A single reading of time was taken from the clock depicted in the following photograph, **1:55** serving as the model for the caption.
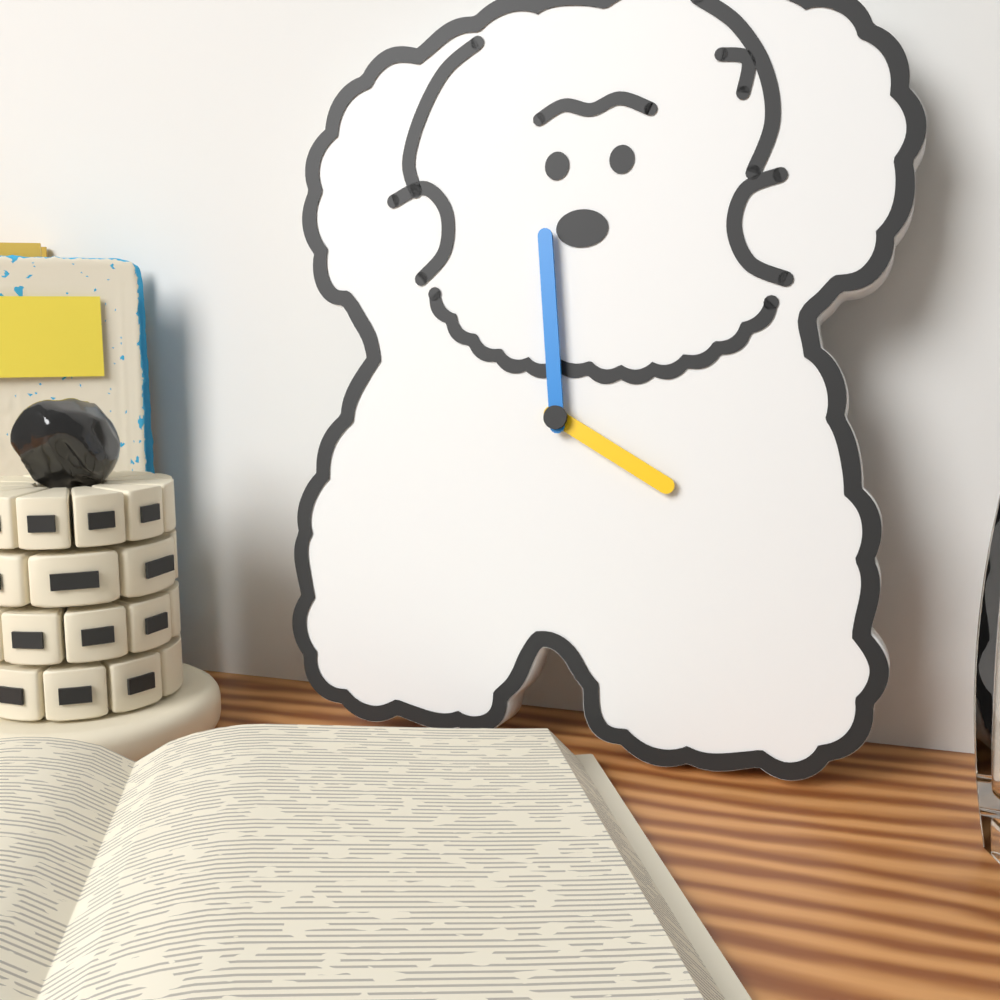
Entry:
**3:59**
